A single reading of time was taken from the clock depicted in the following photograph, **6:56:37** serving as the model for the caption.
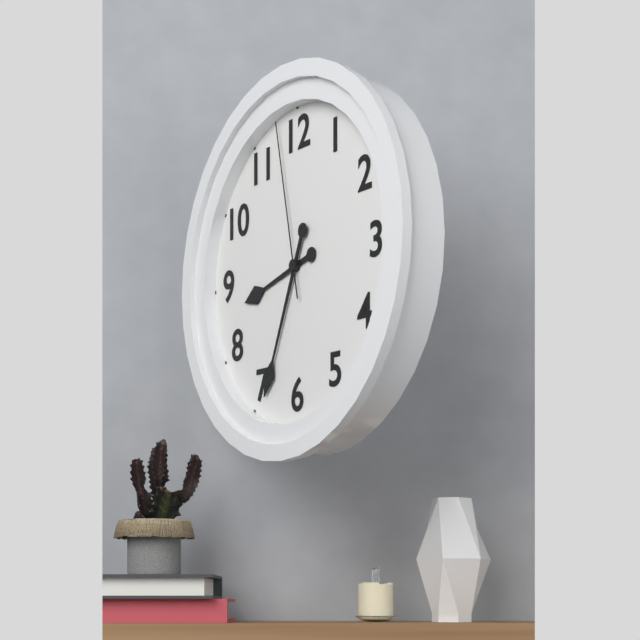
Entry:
**8:34:58**
